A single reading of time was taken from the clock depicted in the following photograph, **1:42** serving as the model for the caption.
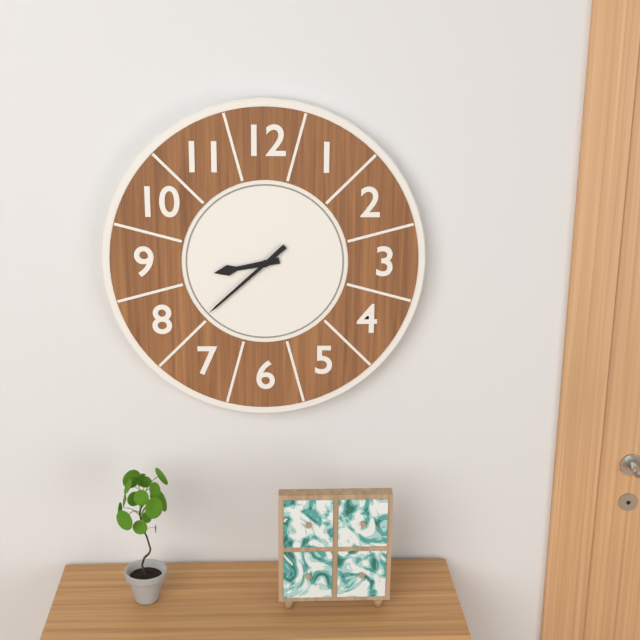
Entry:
**8:38**
